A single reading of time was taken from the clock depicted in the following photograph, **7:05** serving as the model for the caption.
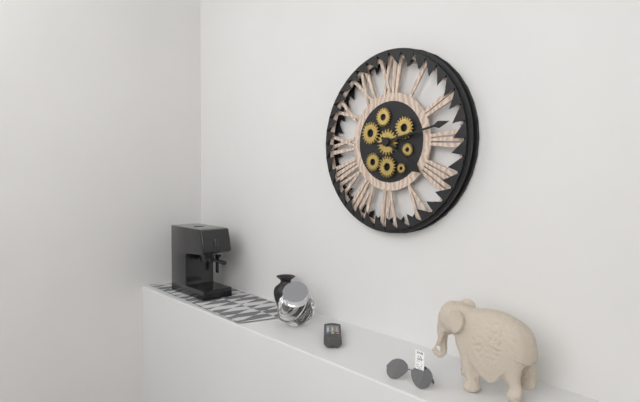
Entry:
**4:13**
